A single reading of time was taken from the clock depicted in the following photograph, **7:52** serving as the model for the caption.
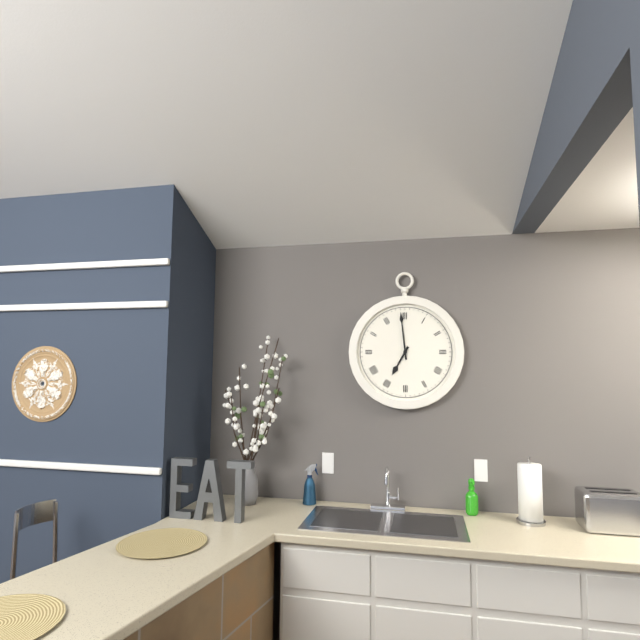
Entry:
**6:59**
